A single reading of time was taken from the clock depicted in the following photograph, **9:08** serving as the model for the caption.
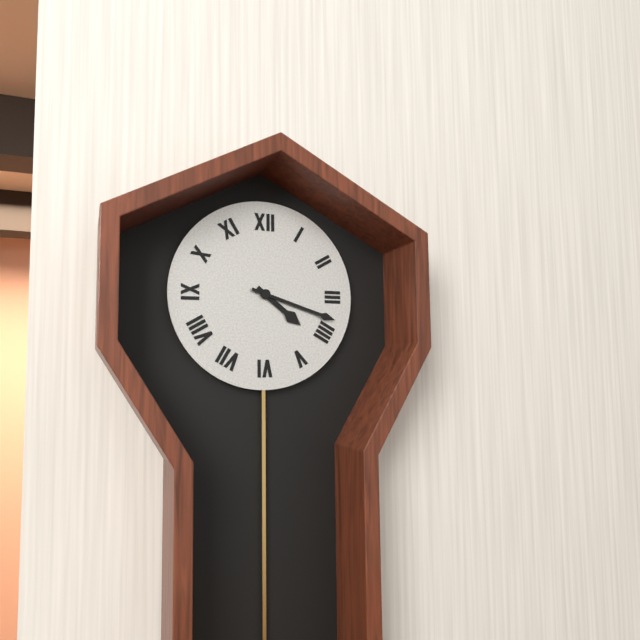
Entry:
**4:18**
